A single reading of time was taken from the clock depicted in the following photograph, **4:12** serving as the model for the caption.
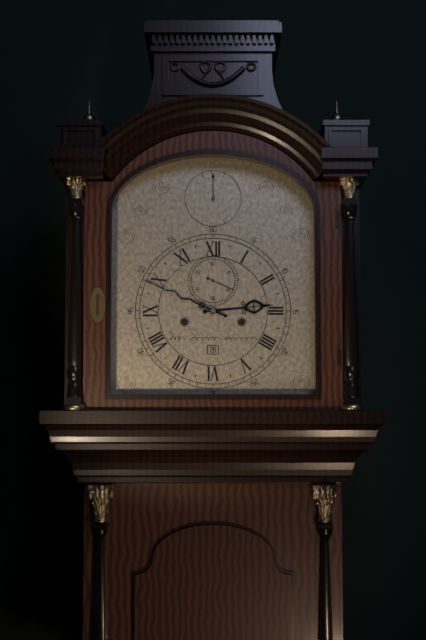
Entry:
**2:49**
